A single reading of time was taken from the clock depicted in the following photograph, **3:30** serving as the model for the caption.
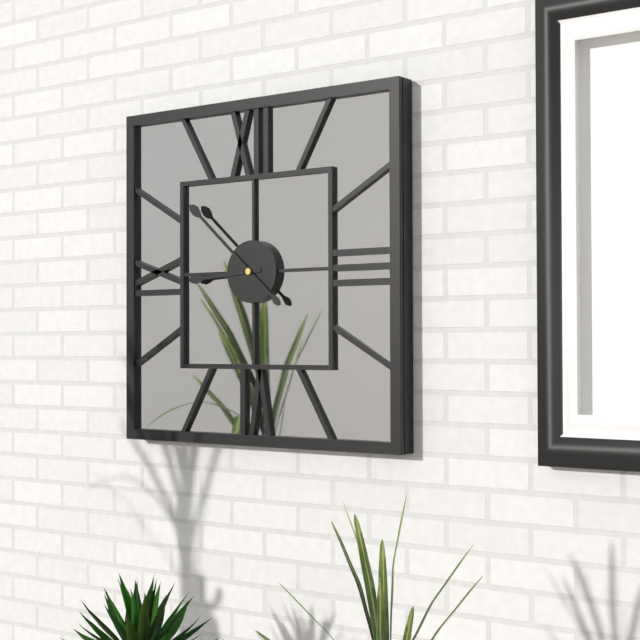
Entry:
**8:52**
